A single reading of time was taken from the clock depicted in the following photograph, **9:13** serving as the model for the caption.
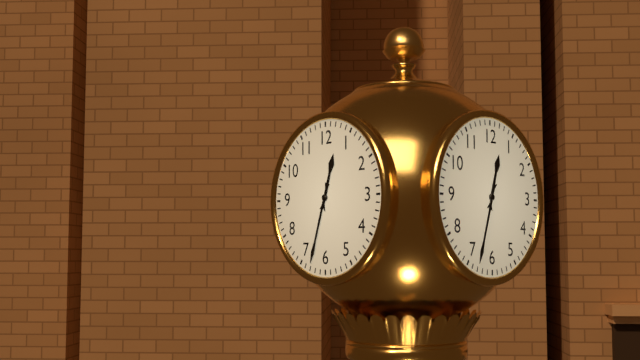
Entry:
**12:33**
